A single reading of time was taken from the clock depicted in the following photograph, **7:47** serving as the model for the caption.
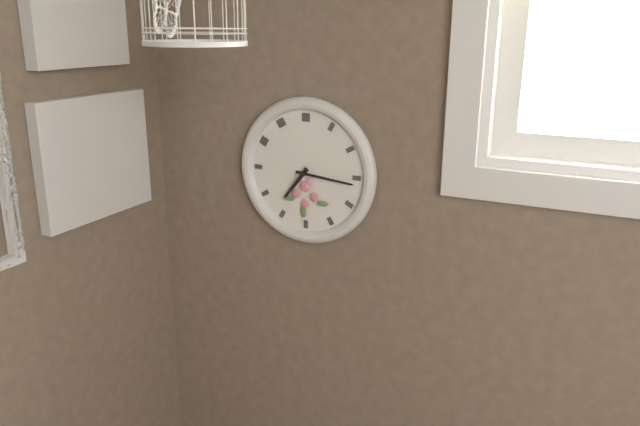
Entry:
**7:16**
